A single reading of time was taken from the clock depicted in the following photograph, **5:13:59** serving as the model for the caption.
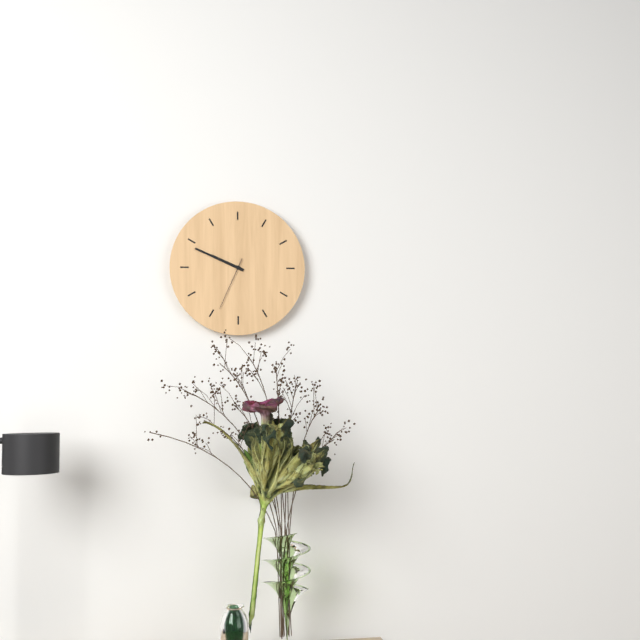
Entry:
**9:49:34**
